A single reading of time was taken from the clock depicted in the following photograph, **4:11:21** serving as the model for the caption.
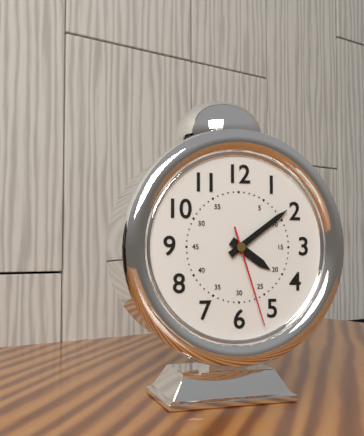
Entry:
**4:09:27**
